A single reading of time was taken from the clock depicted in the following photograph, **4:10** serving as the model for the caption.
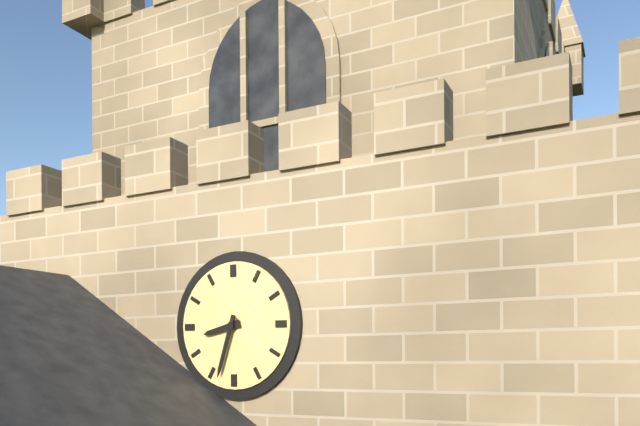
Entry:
**8:33**
